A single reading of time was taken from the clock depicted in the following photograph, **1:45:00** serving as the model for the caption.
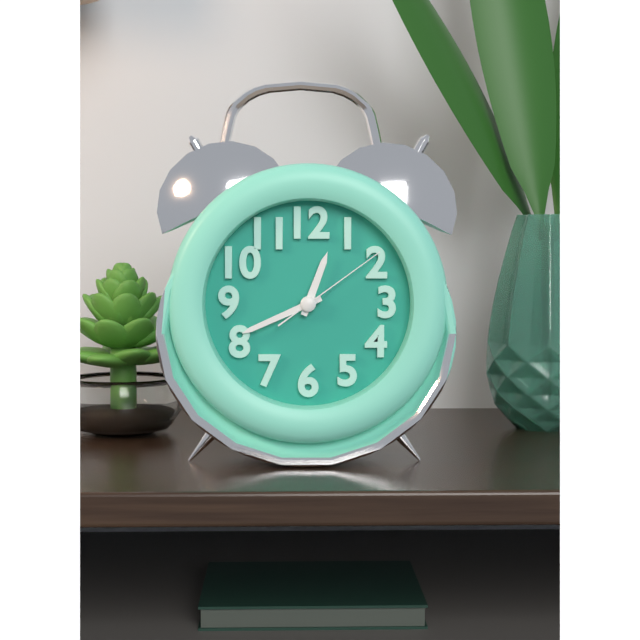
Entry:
**12:41:09**
